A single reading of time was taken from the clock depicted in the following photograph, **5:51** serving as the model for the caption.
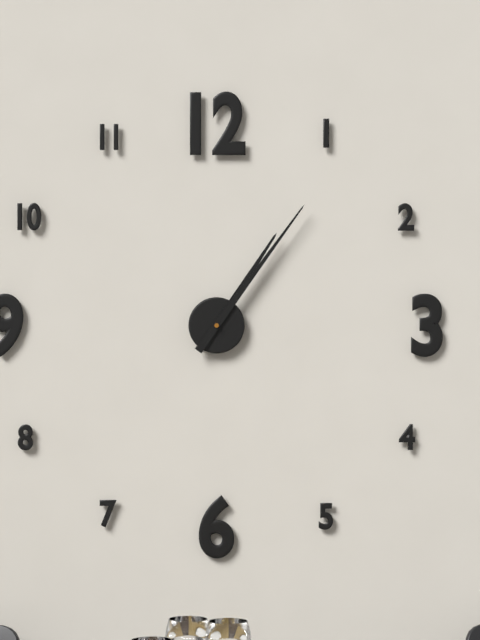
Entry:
**1:06**
